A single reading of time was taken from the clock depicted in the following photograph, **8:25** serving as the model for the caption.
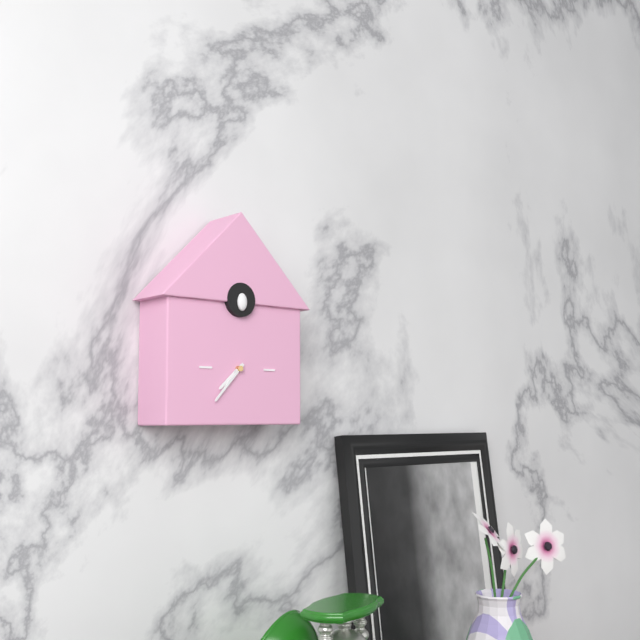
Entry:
**7:37**
